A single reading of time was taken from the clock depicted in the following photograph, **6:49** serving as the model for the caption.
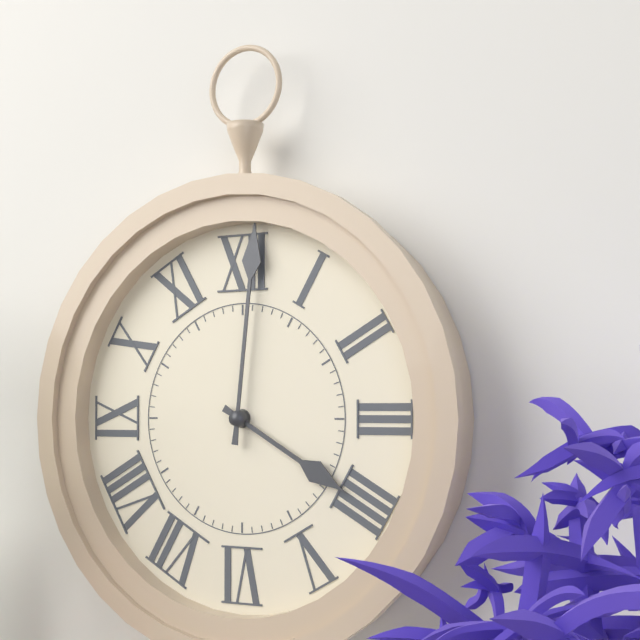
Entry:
**4:01**
